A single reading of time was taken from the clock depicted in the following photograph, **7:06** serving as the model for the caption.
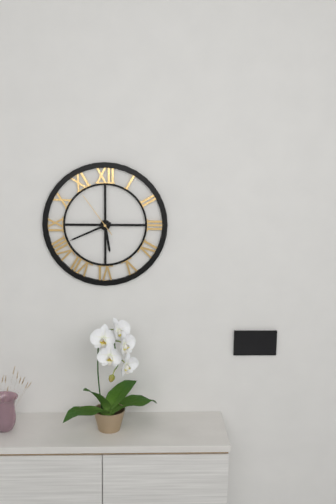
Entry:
**5:41**
